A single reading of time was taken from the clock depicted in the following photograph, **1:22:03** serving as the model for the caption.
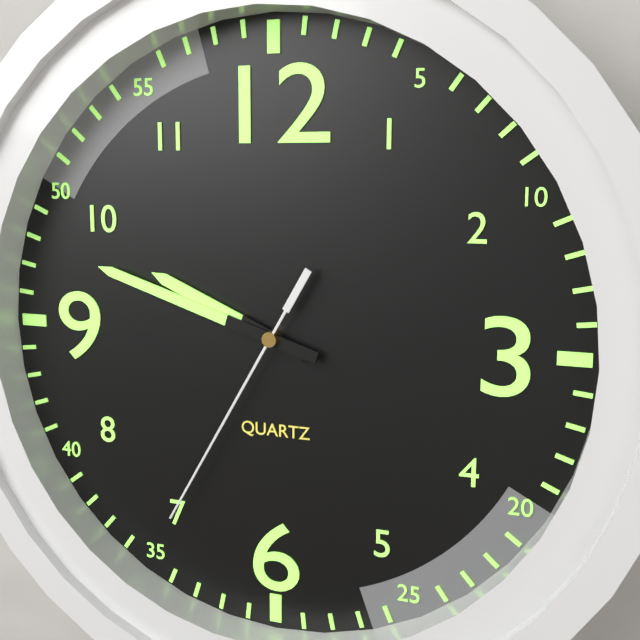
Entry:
**9:48:35**
